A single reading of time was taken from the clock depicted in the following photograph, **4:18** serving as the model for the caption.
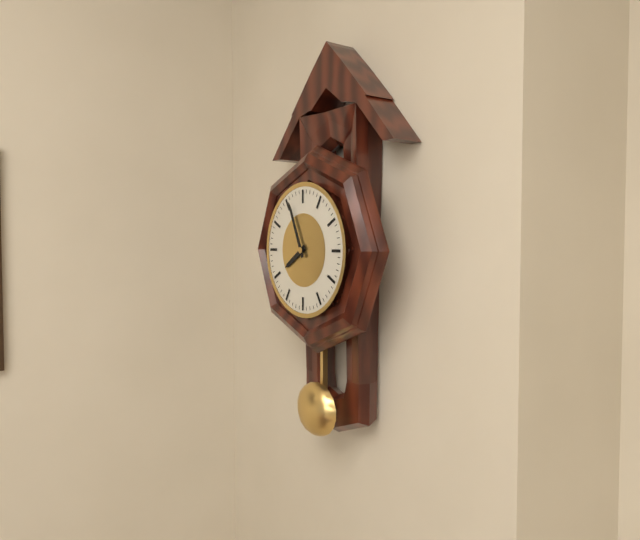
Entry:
**7:56**
